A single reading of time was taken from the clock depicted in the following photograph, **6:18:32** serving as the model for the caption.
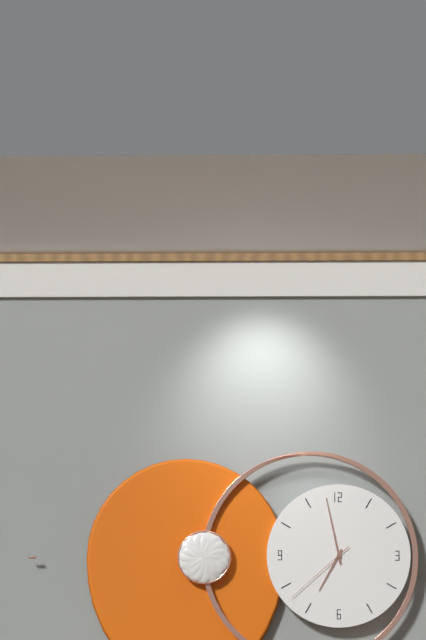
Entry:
**6:58:38**
